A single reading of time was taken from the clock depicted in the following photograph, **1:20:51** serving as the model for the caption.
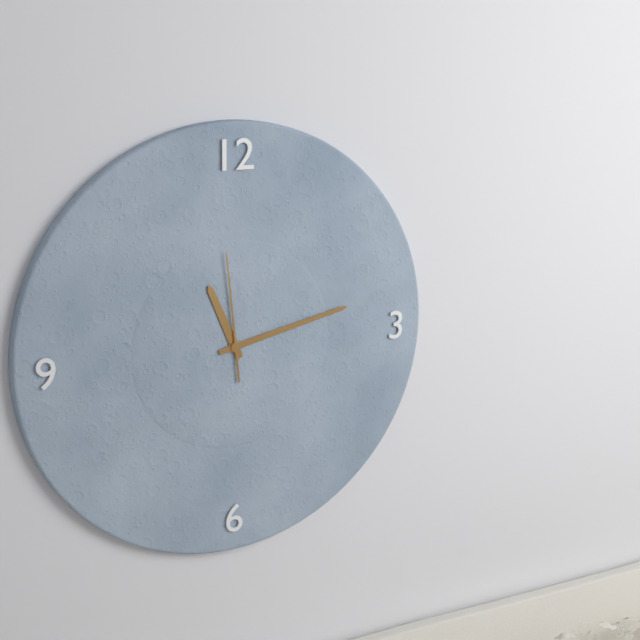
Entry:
**11:13:59**
